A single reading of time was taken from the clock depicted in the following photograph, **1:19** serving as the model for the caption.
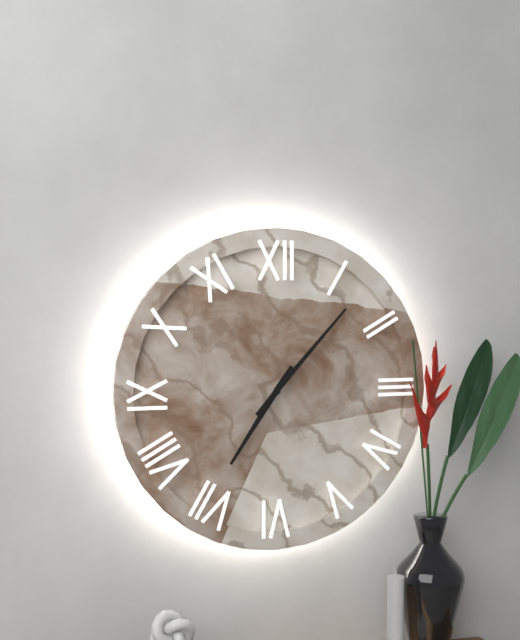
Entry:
**7:07**
